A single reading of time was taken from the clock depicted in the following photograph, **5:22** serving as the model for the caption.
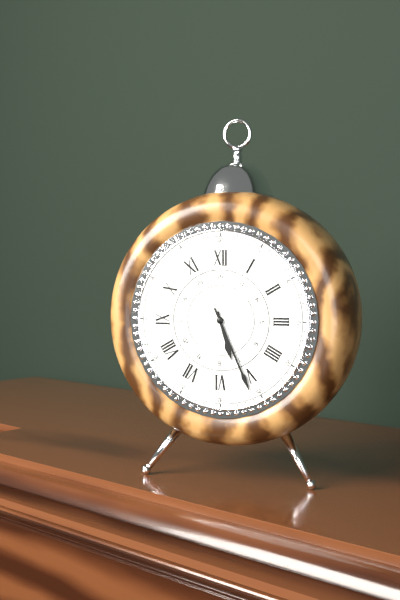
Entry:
**5:26**
